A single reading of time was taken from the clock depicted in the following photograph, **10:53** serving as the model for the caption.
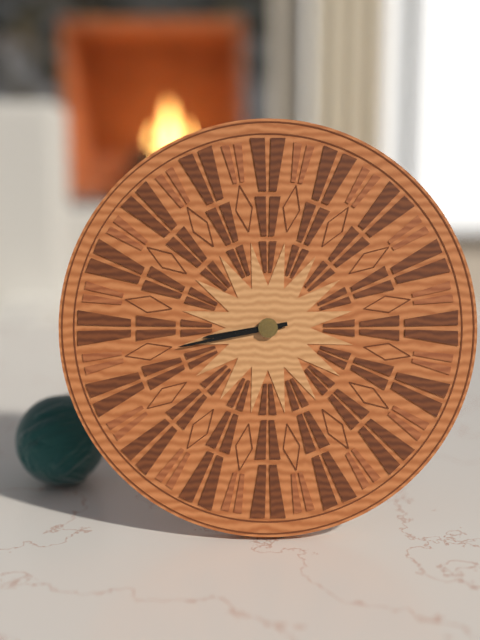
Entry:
**8:43**
